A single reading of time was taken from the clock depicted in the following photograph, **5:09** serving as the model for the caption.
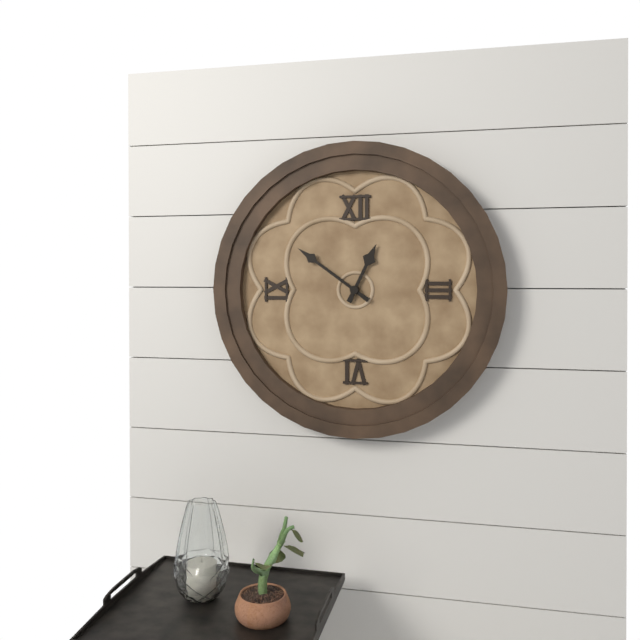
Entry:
**12:51**
